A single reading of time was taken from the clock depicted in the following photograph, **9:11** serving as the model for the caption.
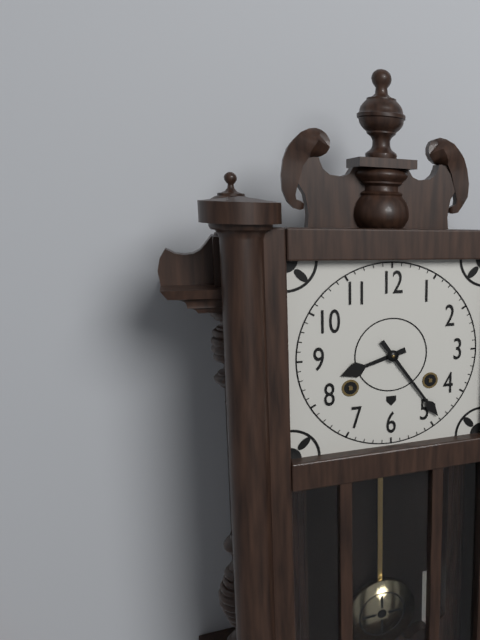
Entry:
**8:24**
